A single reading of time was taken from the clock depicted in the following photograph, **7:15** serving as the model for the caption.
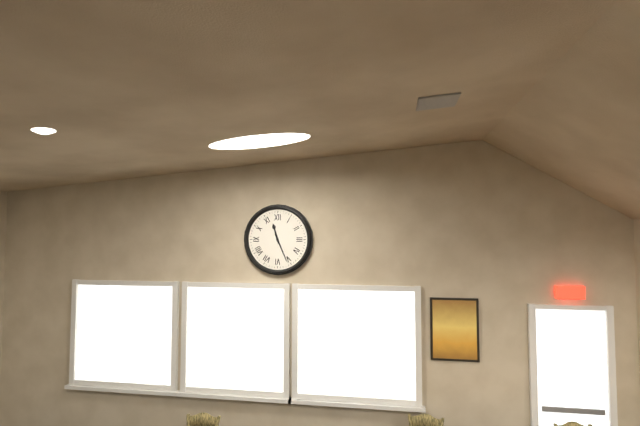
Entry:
**11:26**
